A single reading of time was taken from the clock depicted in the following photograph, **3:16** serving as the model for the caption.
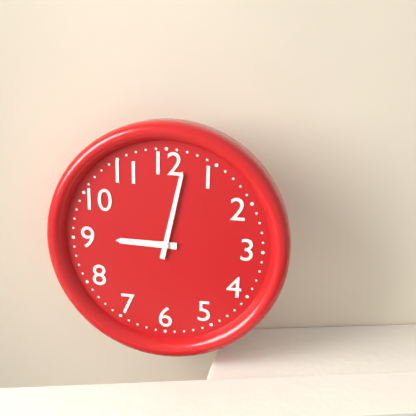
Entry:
**9:02**
